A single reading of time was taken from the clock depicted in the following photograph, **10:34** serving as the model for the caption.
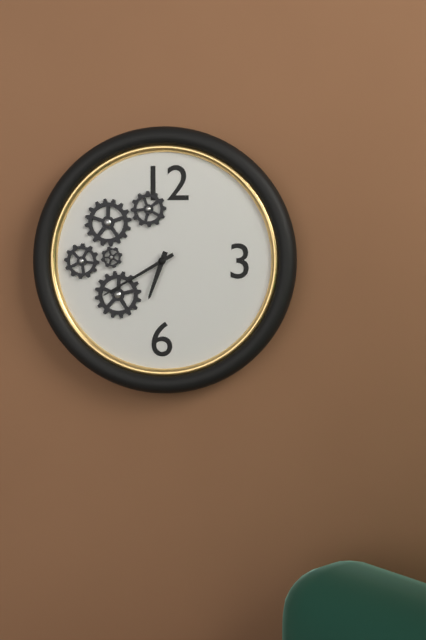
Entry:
**6:40**
